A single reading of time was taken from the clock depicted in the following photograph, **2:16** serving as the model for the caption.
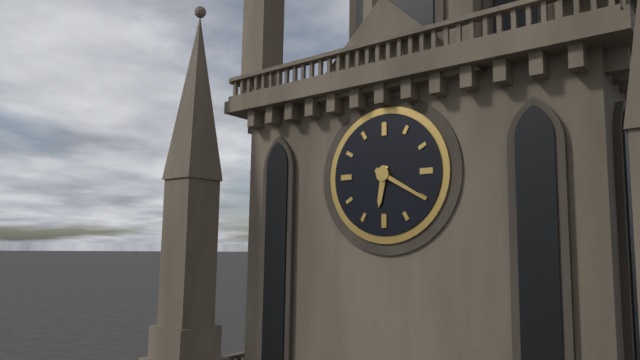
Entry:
**6:20**
